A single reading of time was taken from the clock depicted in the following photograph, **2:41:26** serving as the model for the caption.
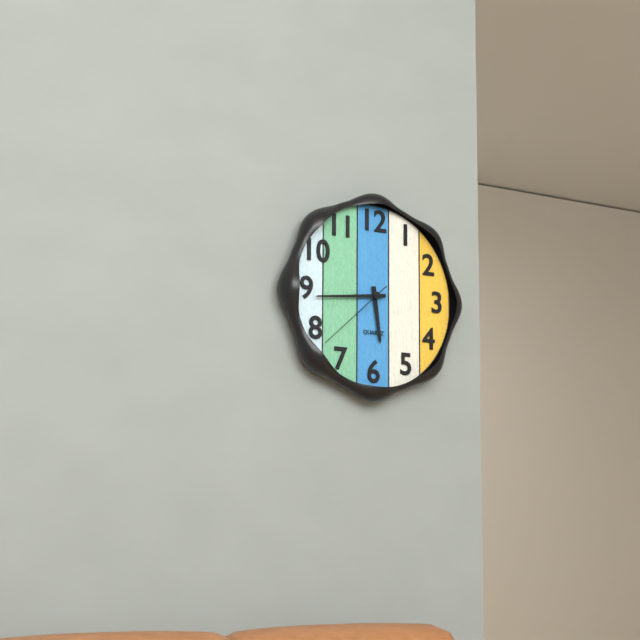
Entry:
**5:44:38**
